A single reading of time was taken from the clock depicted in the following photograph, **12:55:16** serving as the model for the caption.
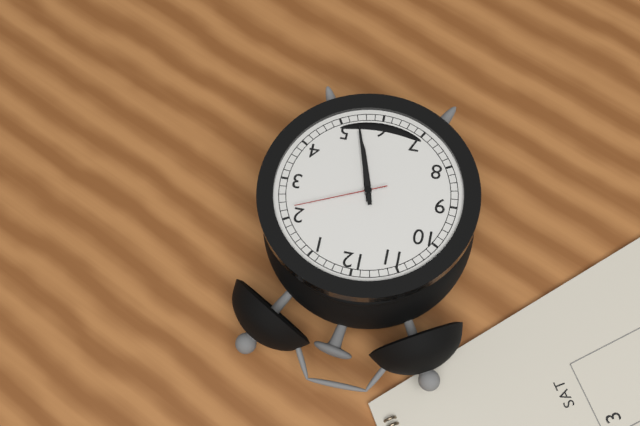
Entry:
**5:27:11**
